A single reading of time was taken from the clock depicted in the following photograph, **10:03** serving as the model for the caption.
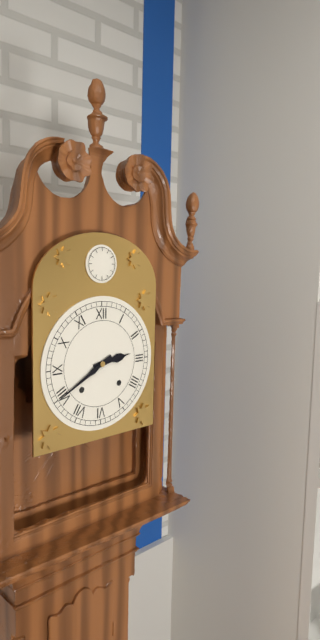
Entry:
**2:40**
